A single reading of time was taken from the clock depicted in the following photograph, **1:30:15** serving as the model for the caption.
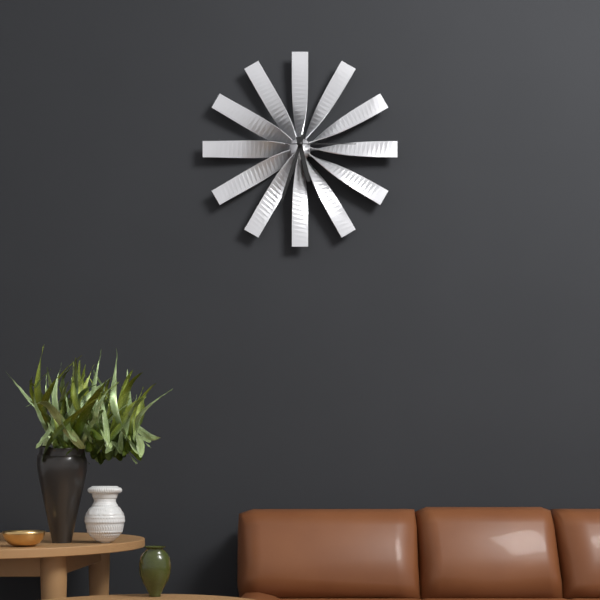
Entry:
**5:33:15**
